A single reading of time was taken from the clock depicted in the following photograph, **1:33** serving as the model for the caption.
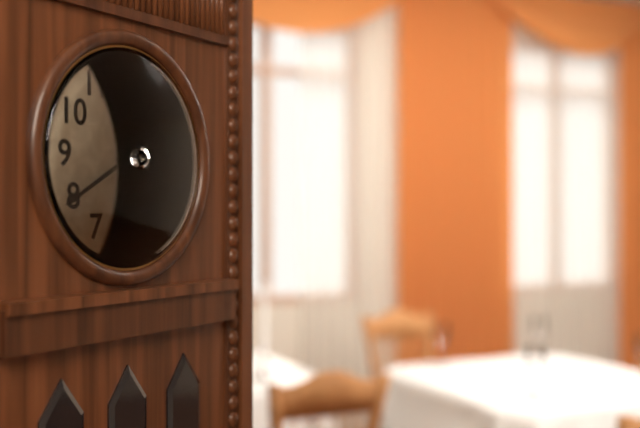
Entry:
**2:40**
